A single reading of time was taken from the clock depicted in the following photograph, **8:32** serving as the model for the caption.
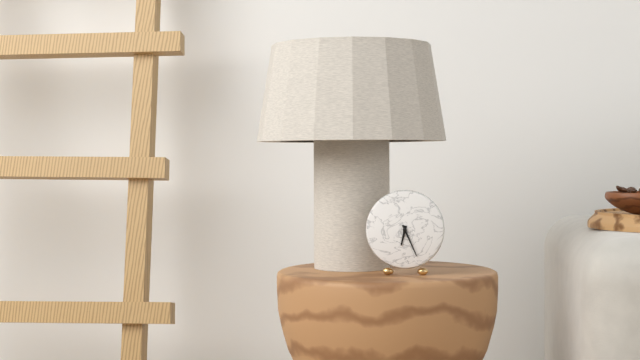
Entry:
**6:26**
